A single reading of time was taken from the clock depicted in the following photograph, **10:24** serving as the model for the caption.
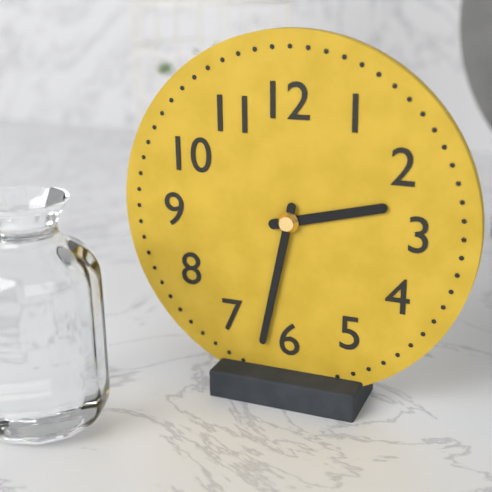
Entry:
**2:32**
